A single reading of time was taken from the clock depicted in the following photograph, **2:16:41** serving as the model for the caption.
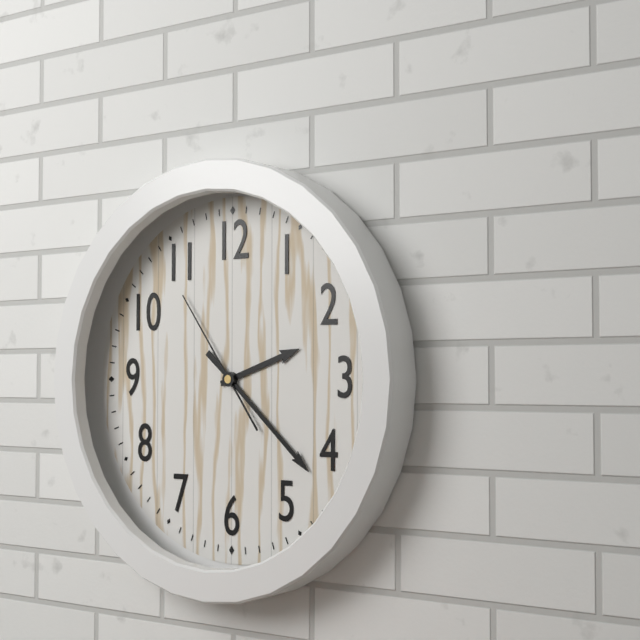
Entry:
**2:22:54**
